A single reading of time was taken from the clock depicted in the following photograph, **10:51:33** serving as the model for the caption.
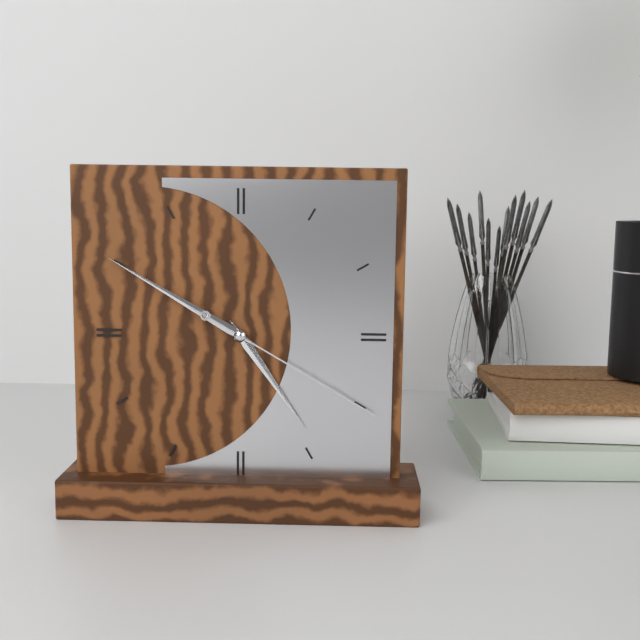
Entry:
**4:50:20**
